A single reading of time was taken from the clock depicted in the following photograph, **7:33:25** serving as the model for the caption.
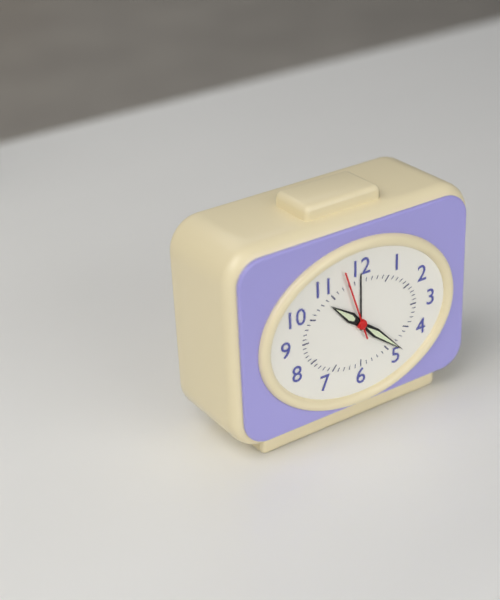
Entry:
**10:22:57**
